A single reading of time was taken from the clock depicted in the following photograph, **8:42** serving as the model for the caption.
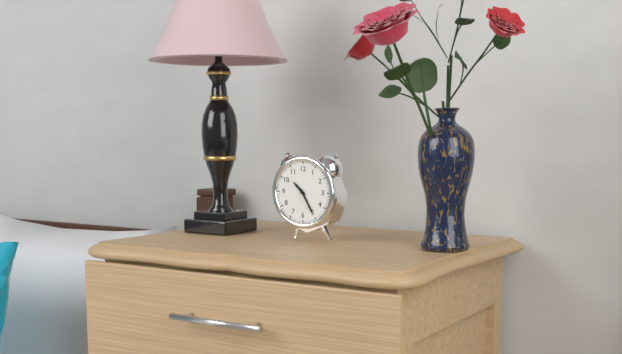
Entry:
**10:25**
